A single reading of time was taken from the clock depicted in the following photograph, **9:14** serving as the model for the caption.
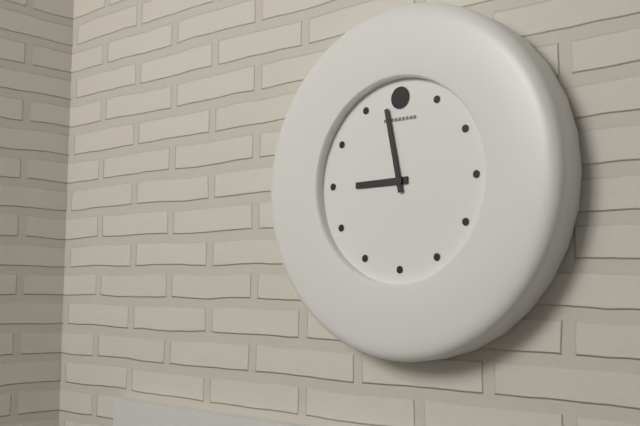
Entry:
**8:58**
